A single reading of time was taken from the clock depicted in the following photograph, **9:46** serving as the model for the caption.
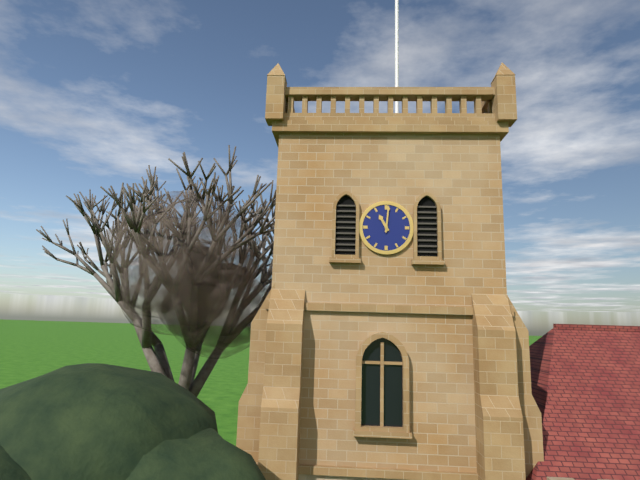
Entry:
**11:01**
